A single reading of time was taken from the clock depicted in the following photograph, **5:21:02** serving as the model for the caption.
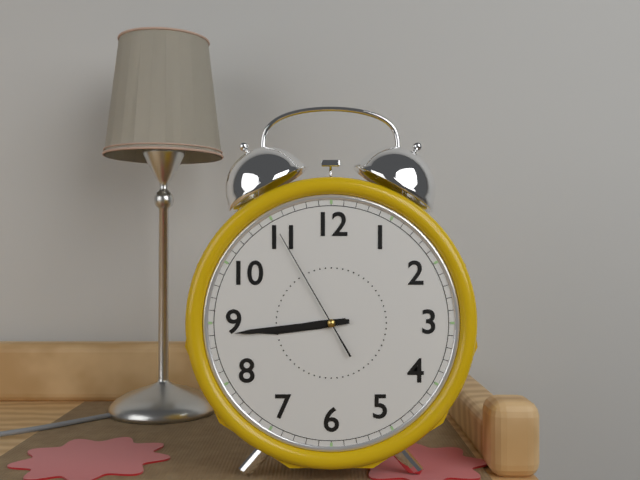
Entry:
**8:44:55**
